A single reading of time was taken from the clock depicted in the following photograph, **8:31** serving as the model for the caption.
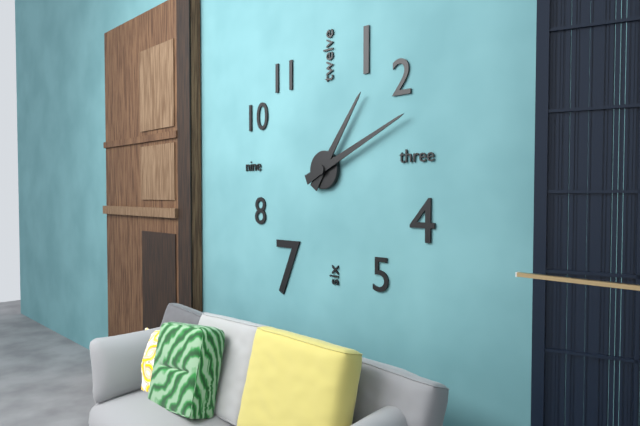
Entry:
**1:11**
